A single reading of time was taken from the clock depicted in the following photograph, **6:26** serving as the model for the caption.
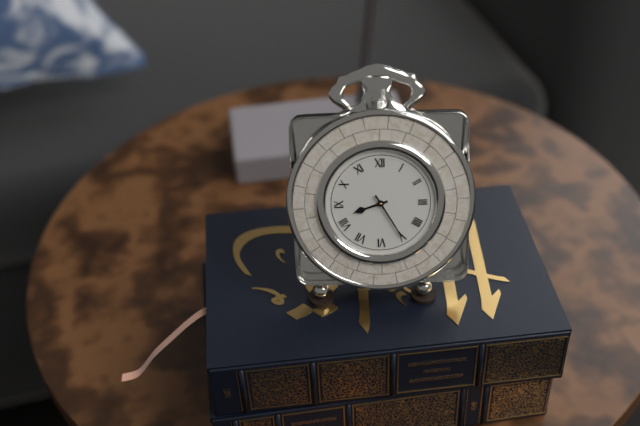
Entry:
**8:25**
